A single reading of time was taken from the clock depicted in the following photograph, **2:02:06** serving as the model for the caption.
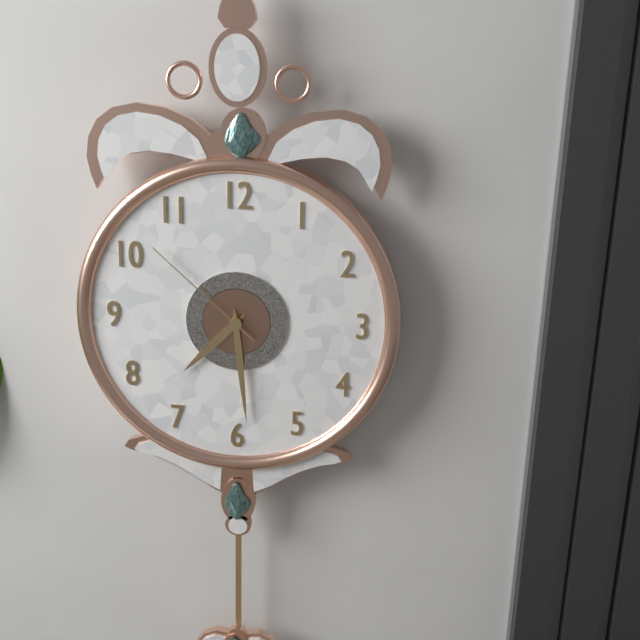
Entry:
**7:29:52**
